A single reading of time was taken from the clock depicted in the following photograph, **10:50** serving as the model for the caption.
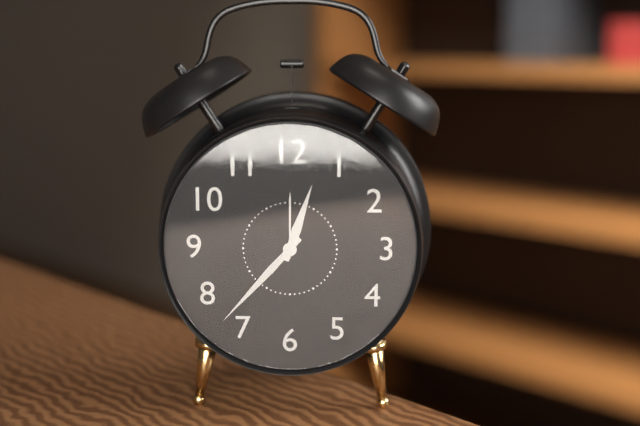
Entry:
**12:37**
